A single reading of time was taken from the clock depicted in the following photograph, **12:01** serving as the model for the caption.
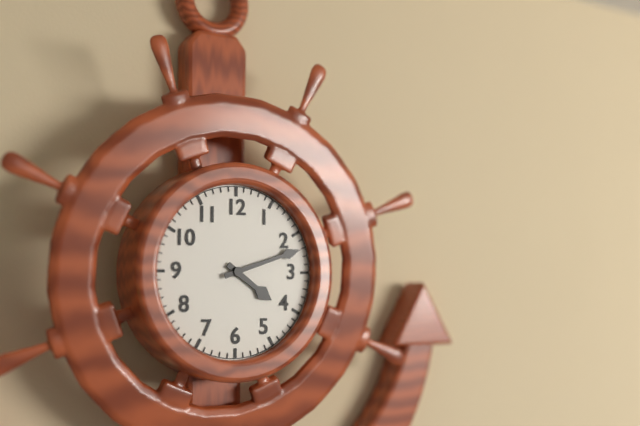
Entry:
**4:12**
